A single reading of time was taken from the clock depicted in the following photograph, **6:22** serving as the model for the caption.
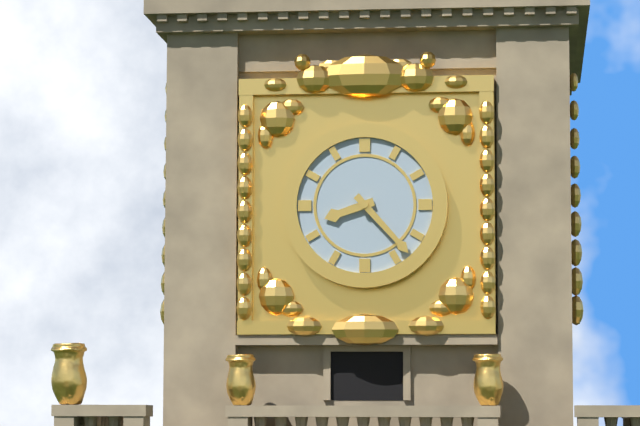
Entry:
**8:23**
